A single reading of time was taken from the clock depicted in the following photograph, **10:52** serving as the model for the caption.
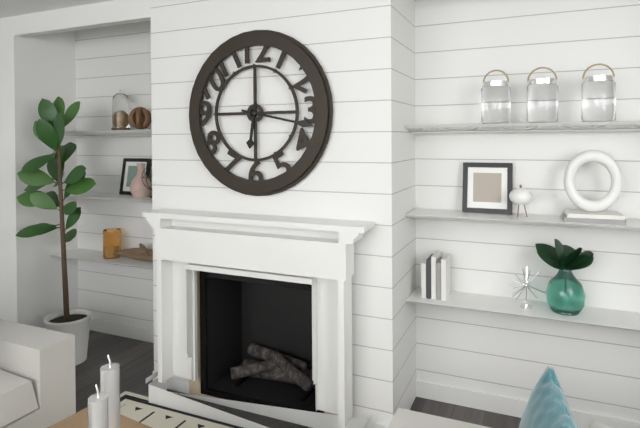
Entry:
**6:17**
